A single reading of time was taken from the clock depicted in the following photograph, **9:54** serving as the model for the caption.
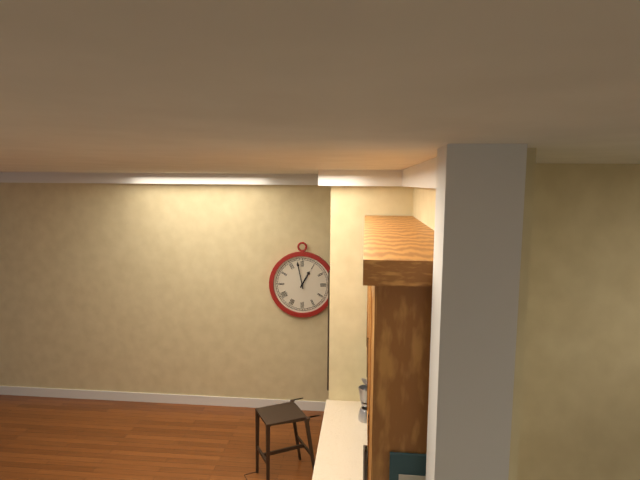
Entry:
**12:58**
